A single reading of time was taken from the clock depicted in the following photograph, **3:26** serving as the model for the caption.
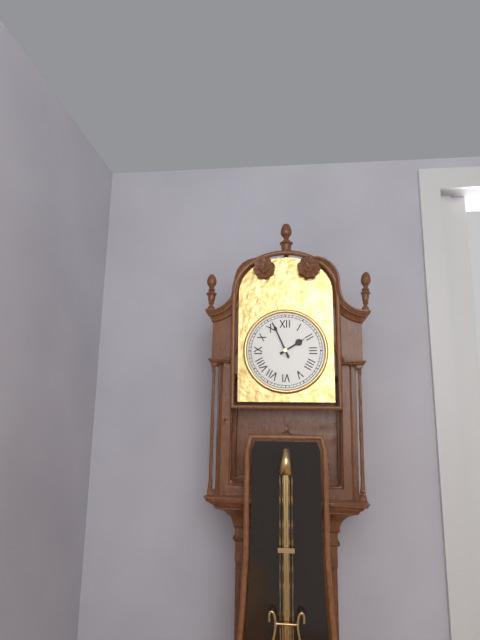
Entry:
**1:56**
